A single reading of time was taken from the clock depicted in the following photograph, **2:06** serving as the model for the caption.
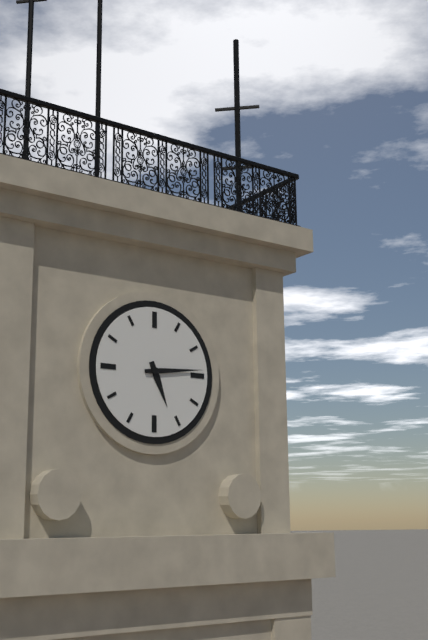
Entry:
**5:14**
